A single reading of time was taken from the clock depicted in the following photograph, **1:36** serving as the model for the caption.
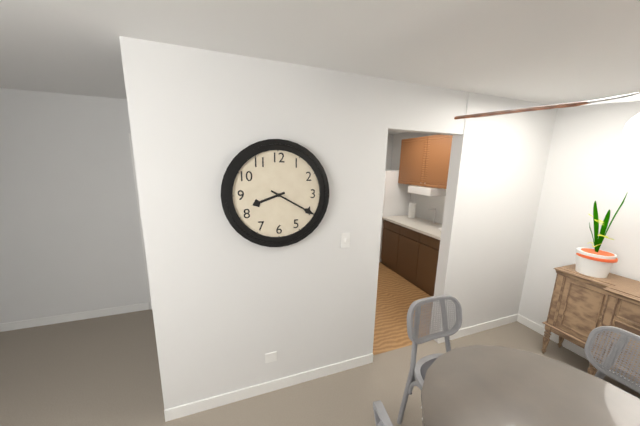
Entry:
**8:20**
